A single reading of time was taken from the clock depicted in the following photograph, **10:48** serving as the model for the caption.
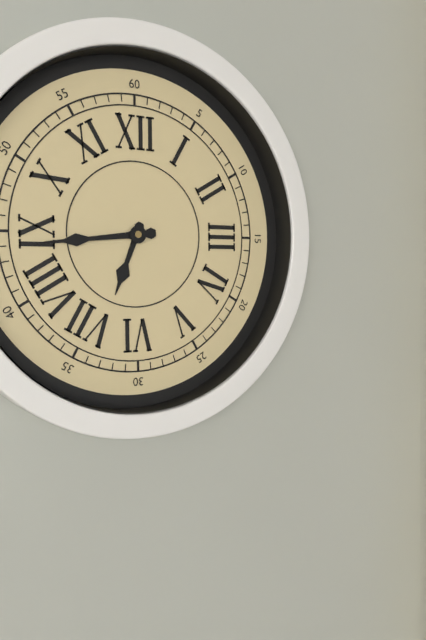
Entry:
**6:44**
